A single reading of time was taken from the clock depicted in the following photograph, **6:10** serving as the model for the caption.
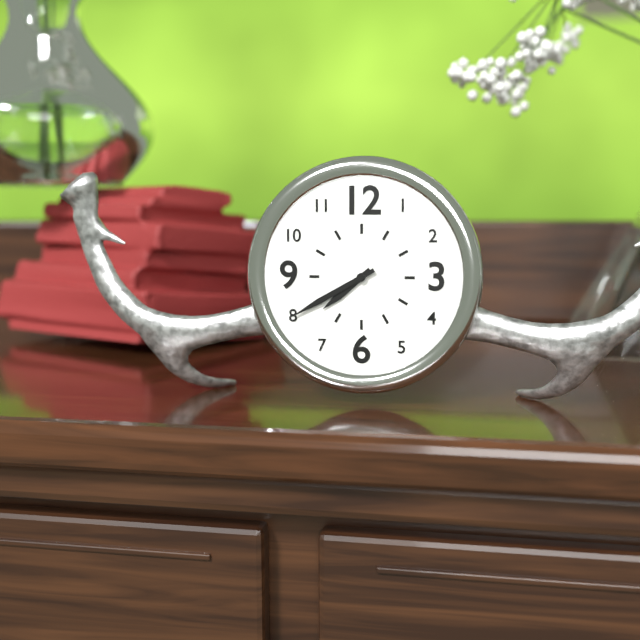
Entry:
**7:40**
